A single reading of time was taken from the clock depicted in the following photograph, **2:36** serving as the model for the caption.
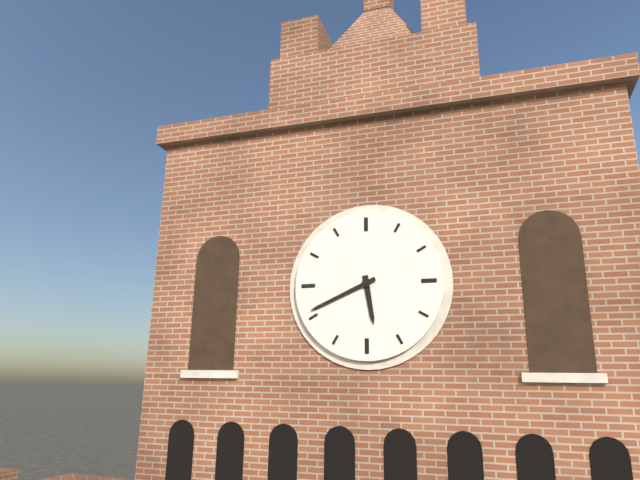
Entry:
**5:41**
